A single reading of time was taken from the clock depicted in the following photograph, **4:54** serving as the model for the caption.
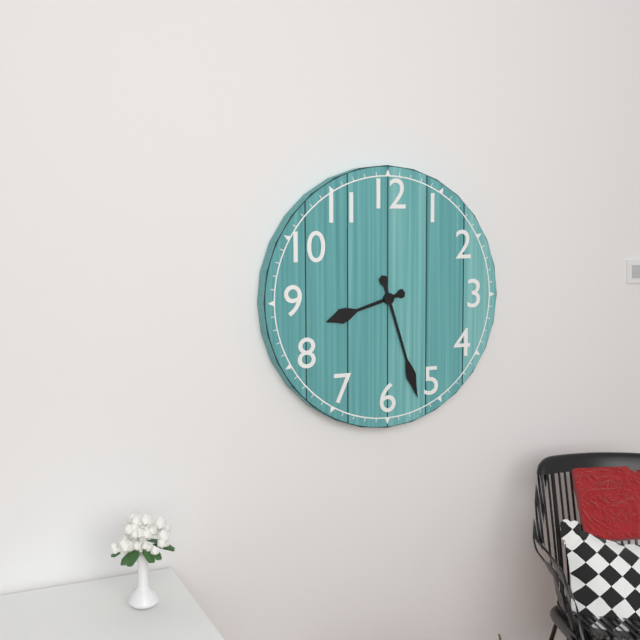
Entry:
**8:27**
